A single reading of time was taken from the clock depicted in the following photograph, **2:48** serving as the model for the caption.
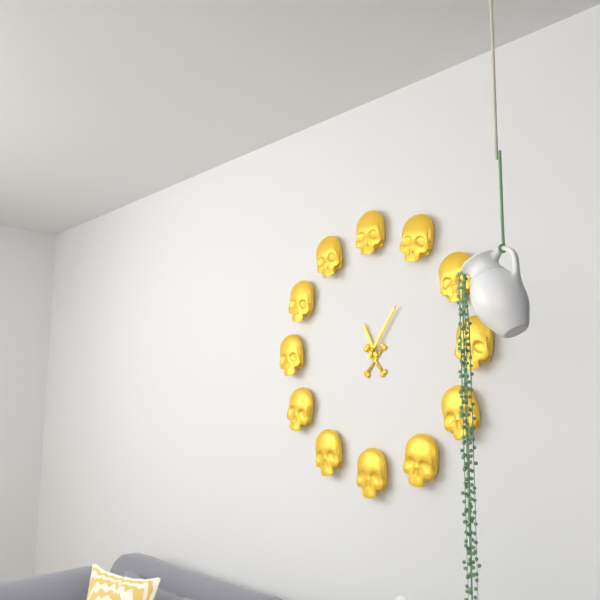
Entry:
**11:06**
